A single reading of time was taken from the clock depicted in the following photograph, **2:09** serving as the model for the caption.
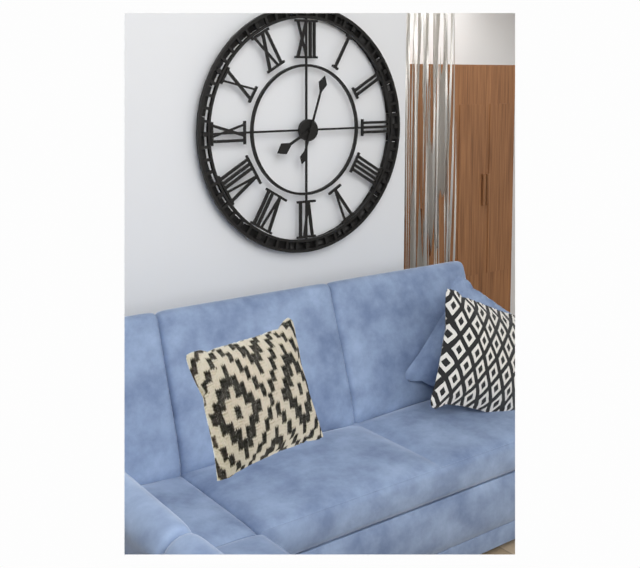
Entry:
**8:03**
